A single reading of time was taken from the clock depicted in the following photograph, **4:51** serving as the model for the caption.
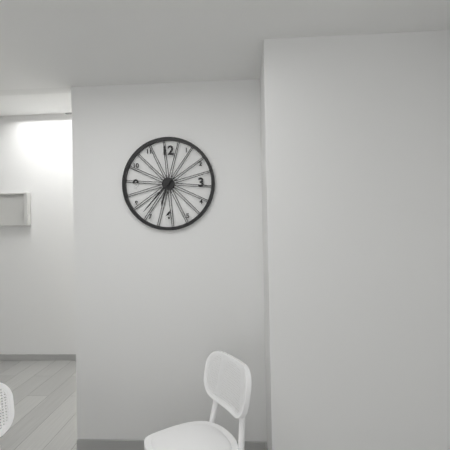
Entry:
**6:37**
